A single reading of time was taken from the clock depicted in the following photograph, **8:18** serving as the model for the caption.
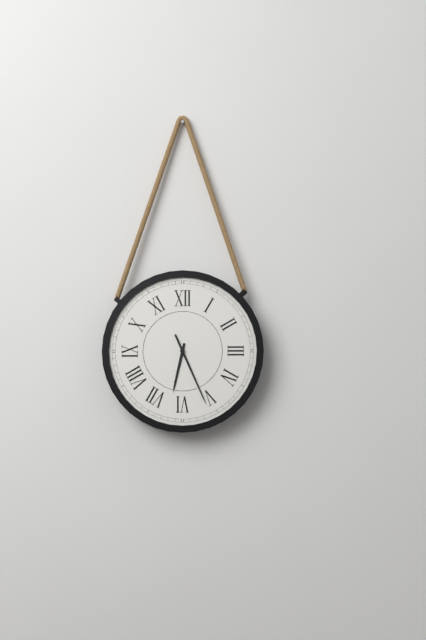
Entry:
**6:26**
